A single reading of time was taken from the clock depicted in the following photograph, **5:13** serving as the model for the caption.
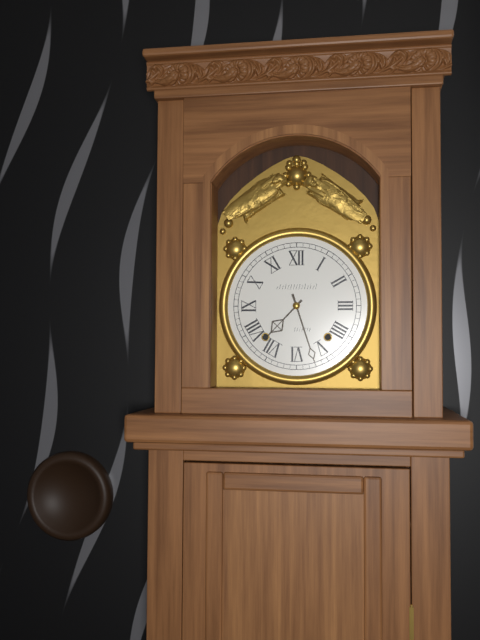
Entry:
**7:27**
